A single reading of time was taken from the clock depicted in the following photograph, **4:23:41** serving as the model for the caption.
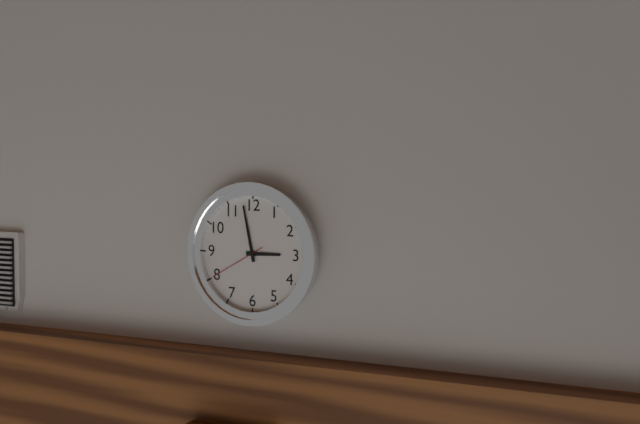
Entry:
**2:58:40**
